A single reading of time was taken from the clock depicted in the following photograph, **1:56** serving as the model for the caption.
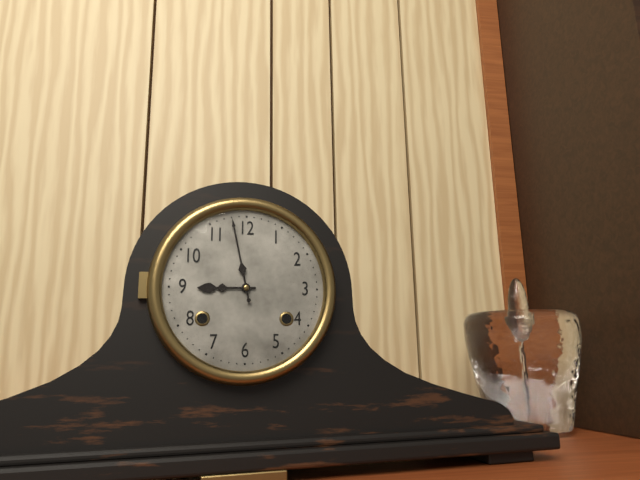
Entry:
**8:58**
